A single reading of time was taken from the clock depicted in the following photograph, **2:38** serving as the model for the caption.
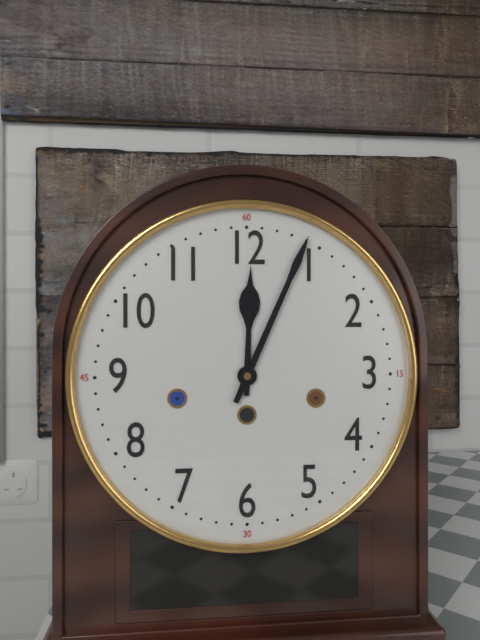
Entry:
**12:04**
